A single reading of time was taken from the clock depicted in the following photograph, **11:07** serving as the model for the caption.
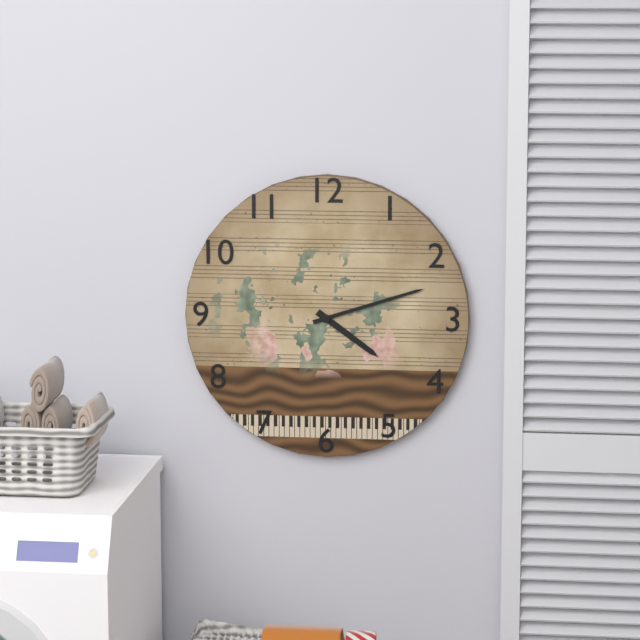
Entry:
**4:12**
